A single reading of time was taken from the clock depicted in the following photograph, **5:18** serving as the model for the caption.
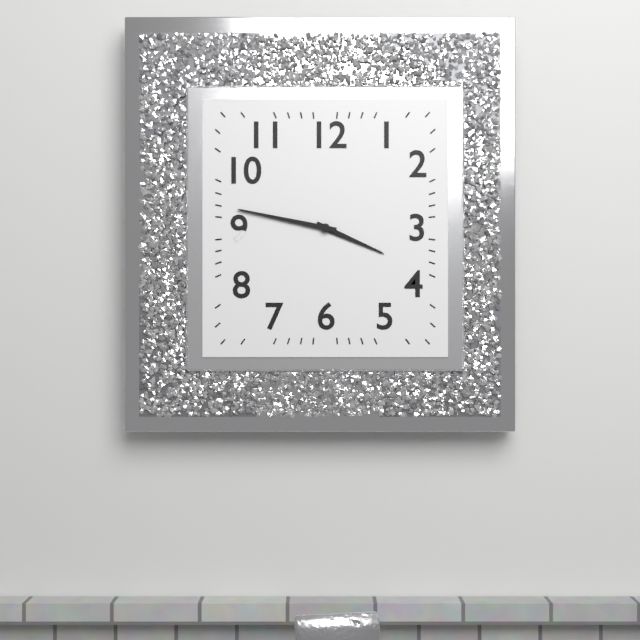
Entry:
**3:47**
